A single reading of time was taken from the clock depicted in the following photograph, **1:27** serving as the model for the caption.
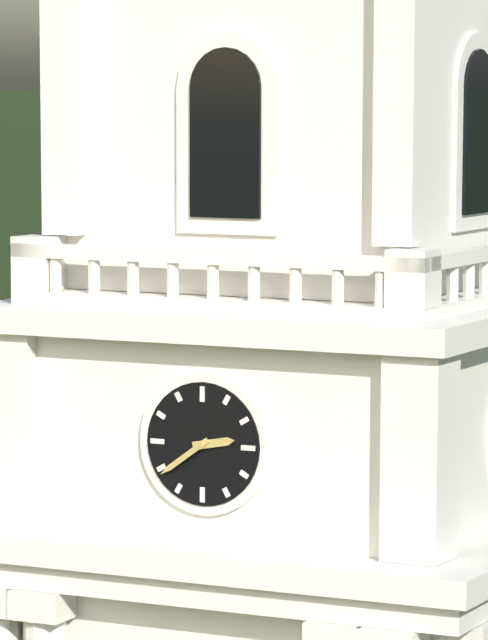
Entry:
**2:39**
